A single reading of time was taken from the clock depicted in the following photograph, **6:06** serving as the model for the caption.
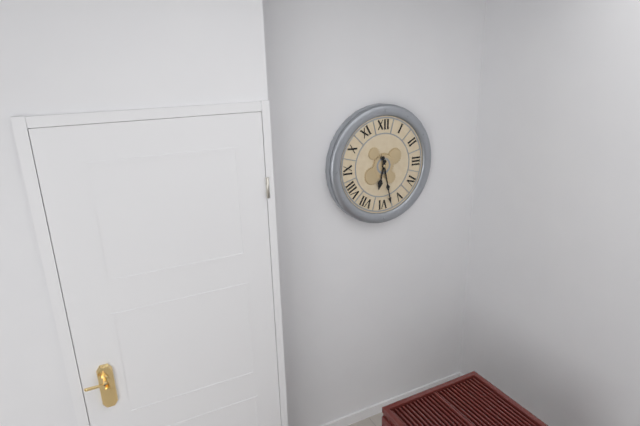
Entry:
**6:28**
